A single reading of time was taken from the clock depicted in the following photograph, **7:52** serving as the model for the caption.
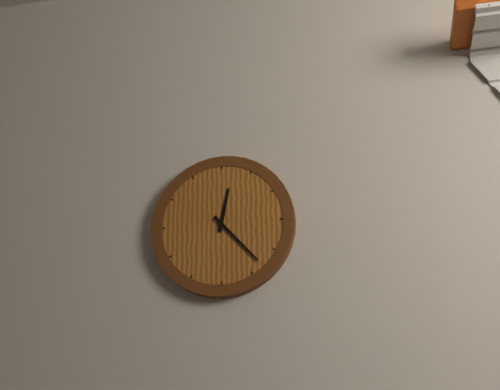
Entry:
**12:23**
